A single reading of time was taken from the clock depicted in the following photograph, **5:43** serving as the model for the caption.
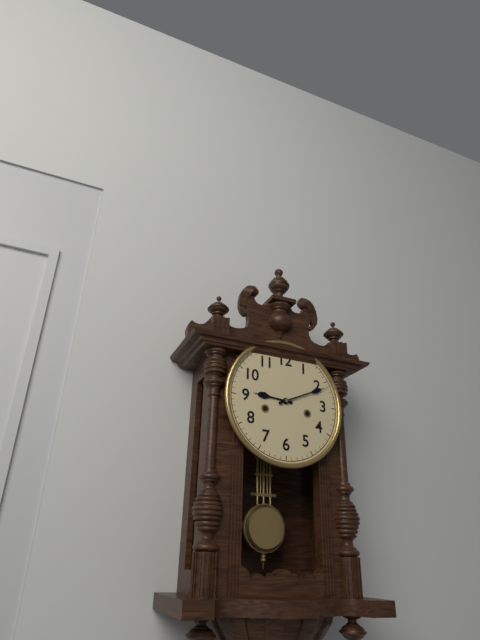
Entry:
**9:11**
